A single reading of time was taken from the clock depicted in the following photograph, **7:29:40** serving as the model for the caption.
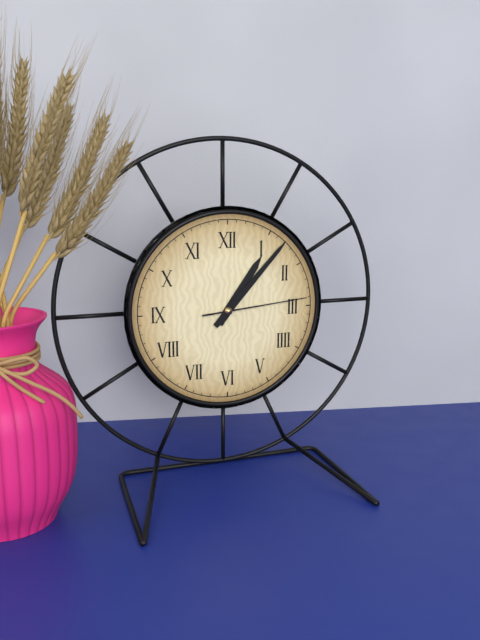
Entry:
**1:07:14**
